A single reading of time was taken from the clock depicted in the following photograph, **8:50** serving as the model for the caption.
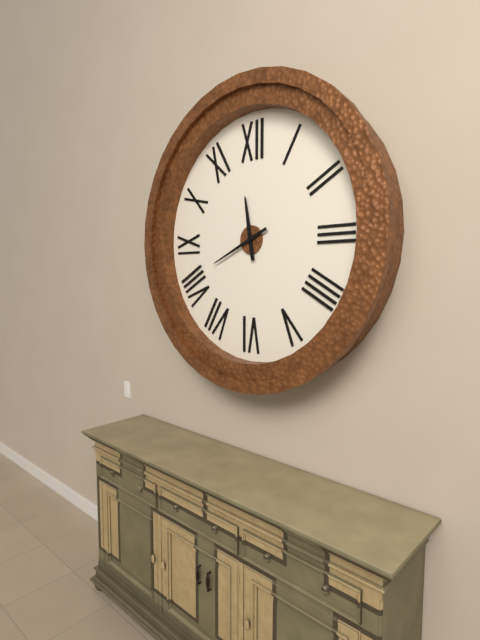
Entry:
**11:41**
